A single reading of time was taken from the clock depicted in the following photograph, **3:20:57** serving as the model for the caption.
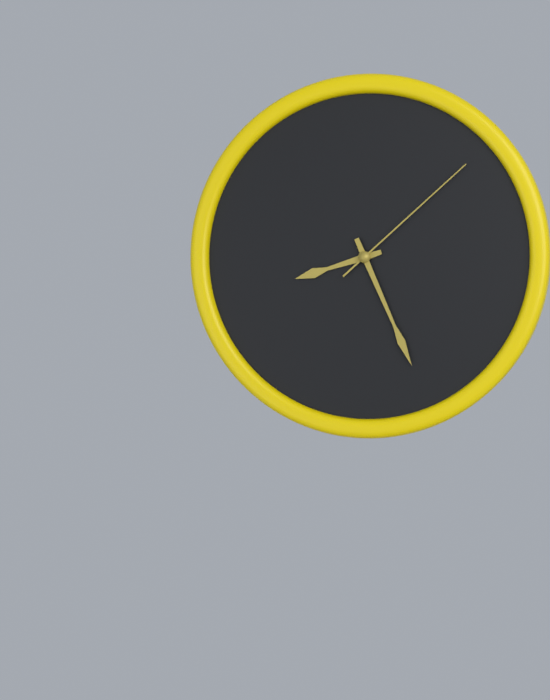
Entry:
**8:26:08**
